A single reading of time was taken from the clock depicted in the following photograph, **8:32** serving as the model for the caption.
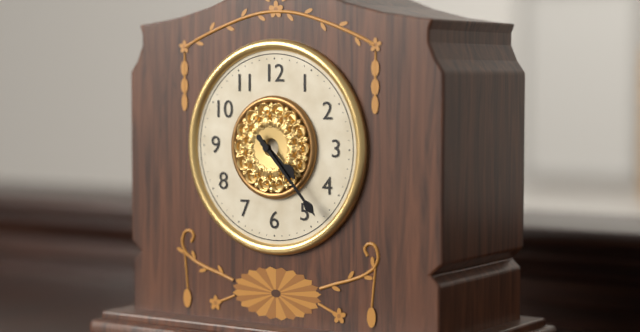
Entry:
**4:23**
